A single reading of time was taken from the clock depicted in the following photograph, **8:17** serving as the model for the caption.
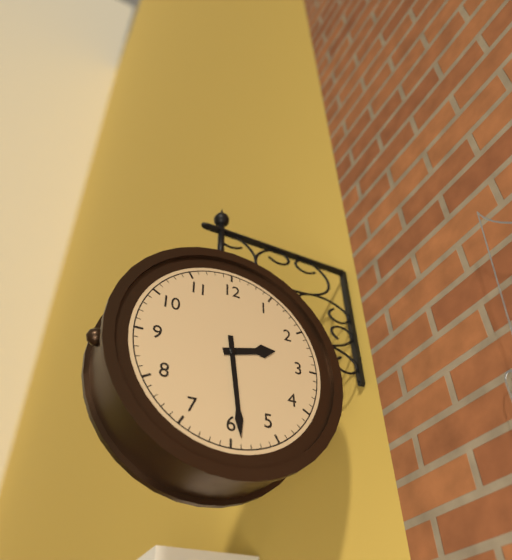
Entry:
**2:29**
